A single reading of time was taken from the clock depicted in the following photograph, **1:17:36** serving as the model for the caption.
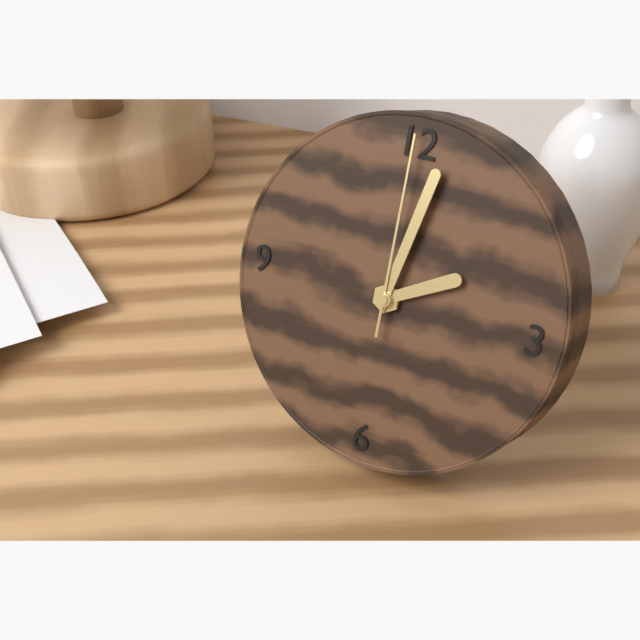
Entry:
**2:02:00**
